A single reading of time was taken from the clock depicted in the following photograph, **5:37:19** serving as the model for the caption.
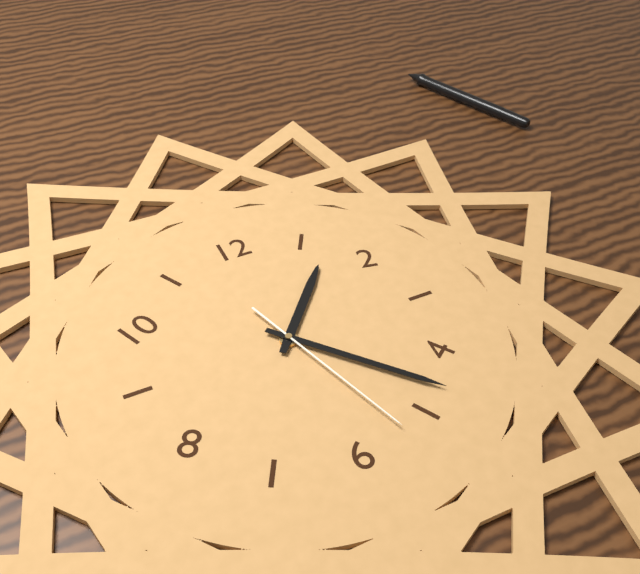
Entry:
**1:23:27**
